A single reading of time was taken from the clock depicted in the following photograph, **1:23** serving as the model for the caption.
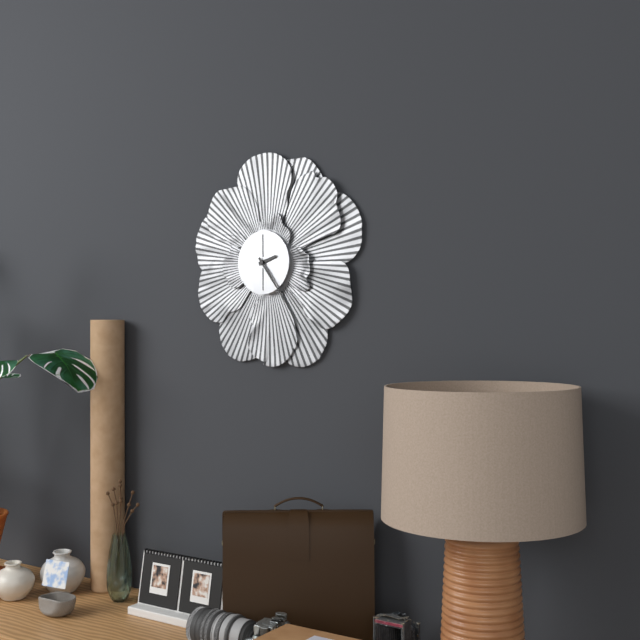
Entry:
**2:24**
